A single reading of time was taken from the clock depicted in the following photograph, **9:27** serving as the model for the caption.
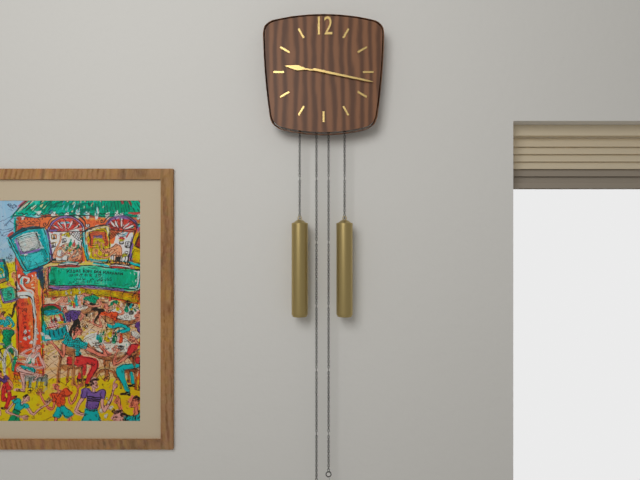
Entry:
**9:17**
